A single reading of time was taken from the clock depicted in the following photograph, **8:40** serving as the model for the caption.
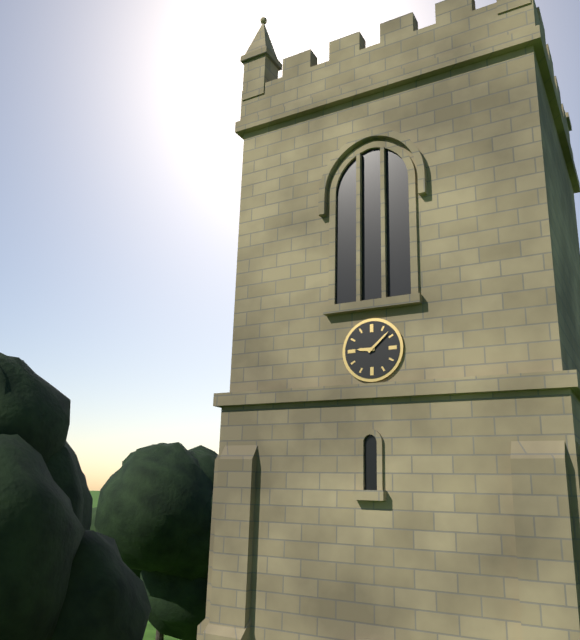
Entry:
**9:08**
